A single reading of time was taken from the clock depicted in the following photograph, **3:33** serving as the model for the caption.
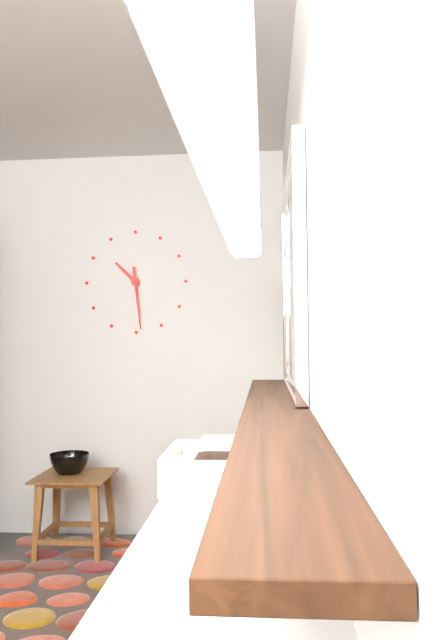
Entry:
**10:29**
